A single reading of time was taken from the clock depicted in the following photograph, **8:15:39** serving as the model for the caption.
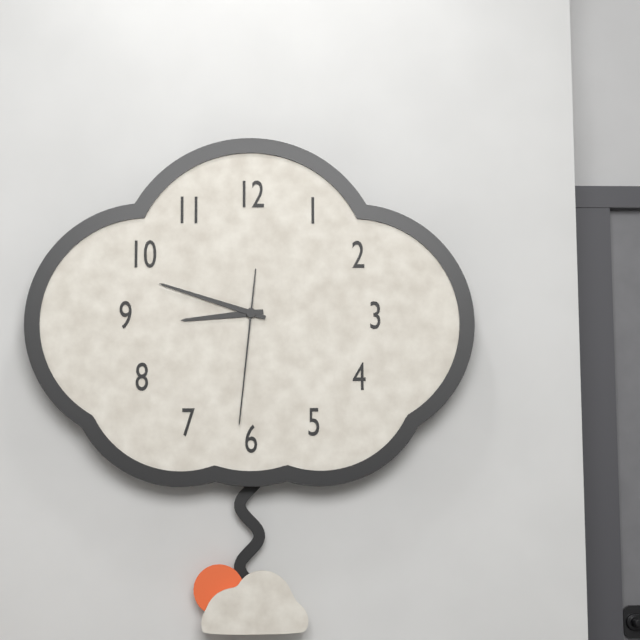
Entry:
**8:48:31**
